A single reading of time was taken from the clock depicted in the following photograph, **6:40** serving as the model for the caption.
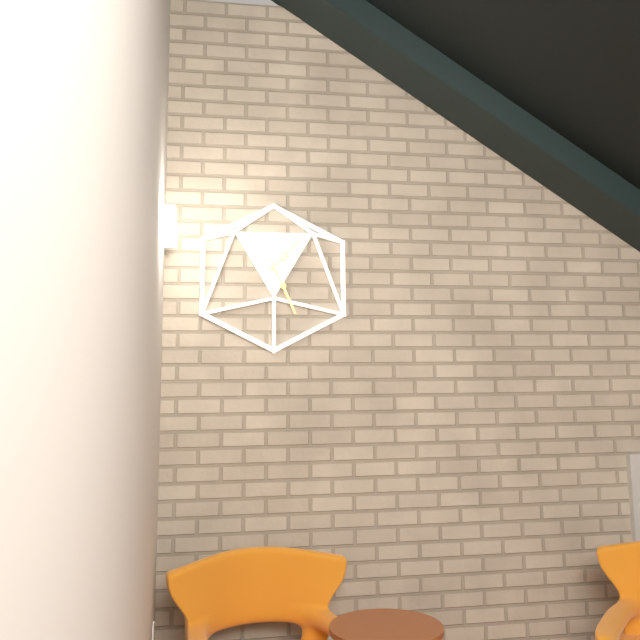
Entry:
**1:26**
